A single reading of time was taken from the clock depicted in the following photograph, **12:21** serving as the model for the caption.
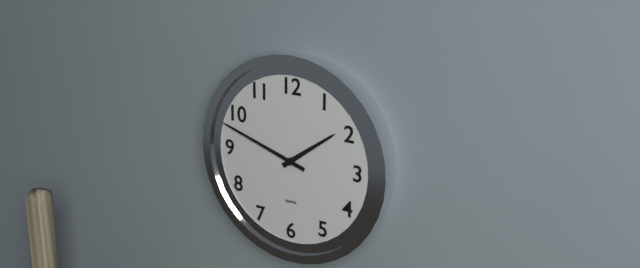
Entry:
**1:48**
